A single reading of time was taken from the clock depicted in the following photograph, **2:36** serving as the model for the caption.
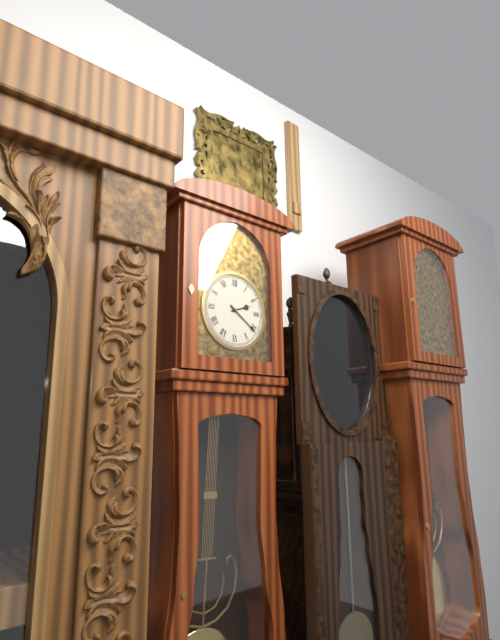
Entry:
**2:21**
